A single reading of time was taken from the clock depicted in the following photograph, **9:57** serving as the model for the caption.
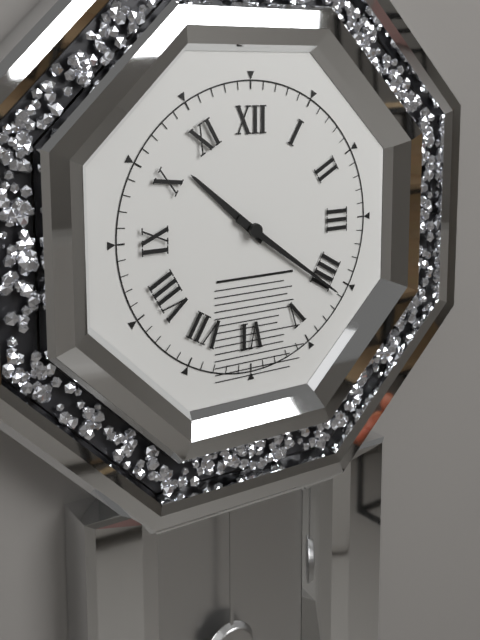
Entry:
**10:21**
